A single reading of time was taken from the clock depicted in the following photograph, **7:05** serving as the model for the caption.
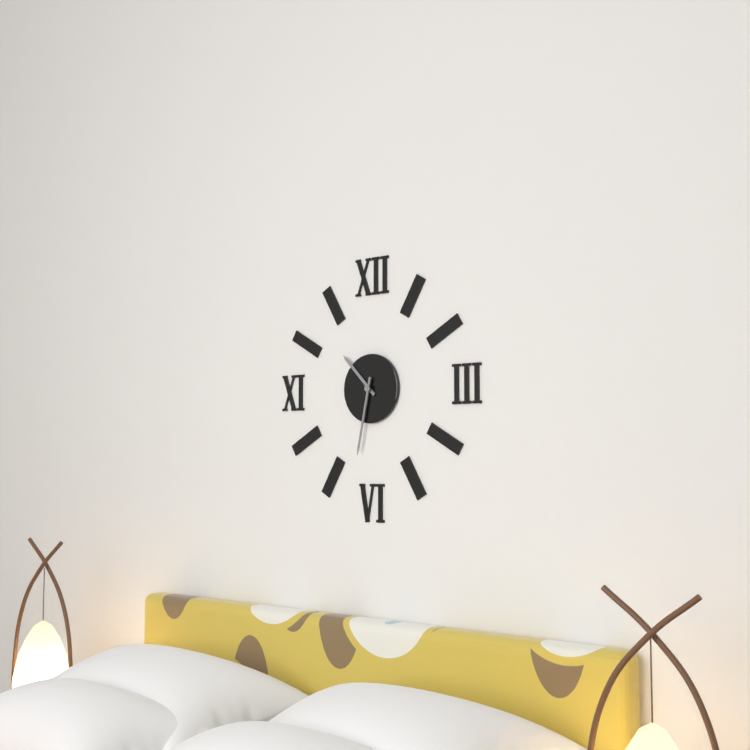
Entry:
**10:32**
